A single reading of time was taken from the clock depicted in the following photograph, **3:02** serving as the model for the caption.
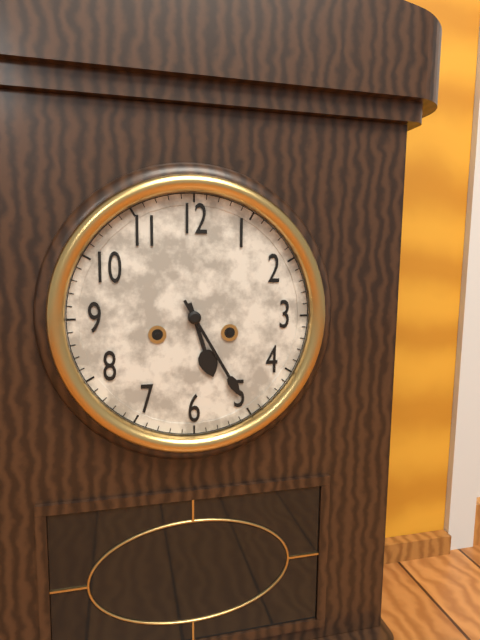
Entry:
**5:25**
